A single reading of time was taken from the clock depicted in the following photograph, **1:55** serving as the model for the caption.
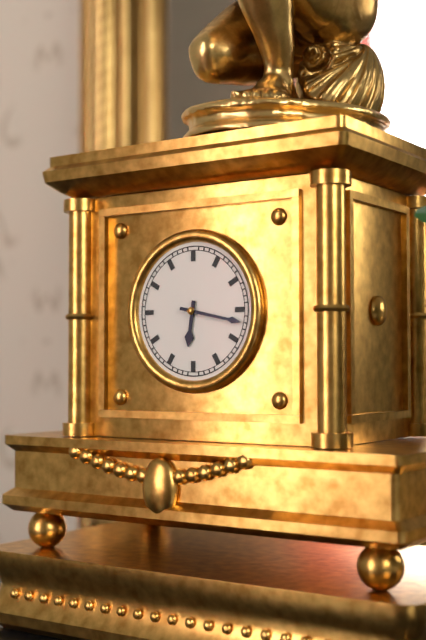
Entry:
**6:17**
